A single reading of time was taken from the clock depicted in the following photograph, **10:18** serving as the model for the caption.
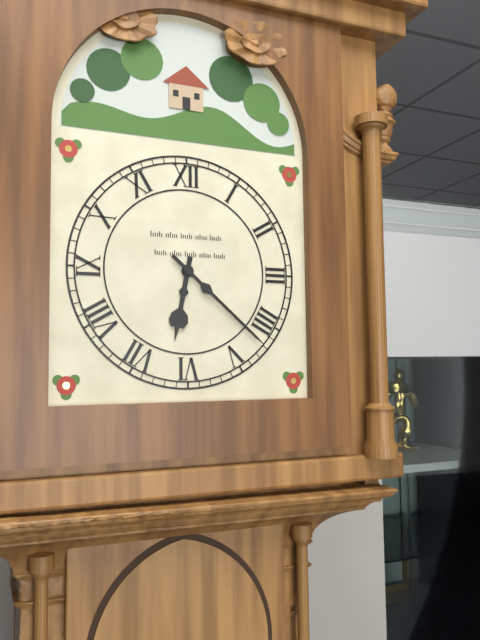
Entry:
**6:22**
